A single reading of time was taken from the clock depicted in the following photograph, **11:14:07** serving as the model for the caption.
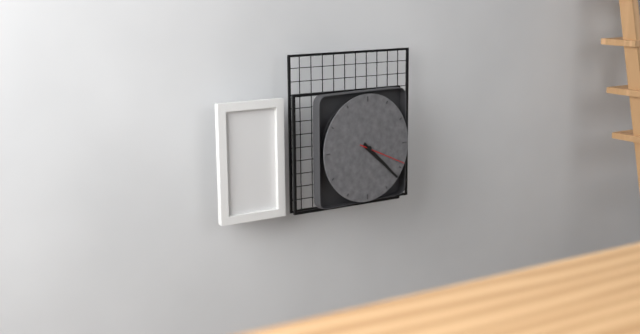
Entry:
**4:22:19**
